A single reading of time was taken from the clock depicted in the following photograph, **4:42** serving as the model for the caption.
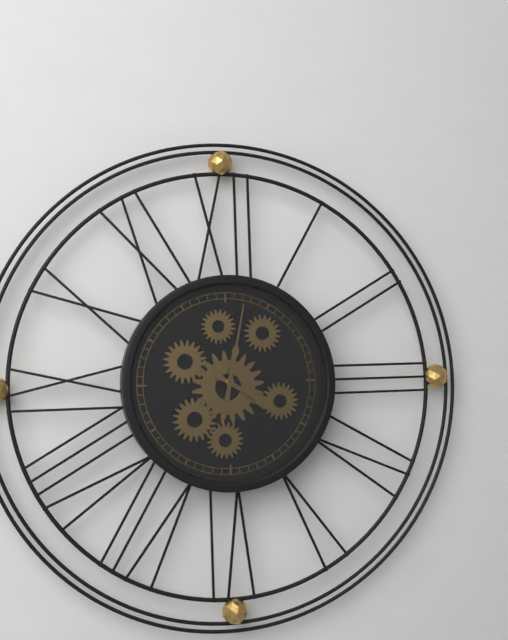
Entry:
**4:02**
